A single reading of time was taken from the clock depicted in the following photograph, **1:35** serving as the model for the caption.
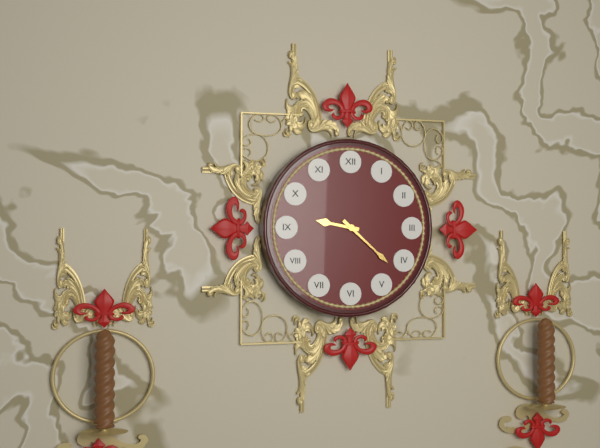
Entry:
**9:22**
